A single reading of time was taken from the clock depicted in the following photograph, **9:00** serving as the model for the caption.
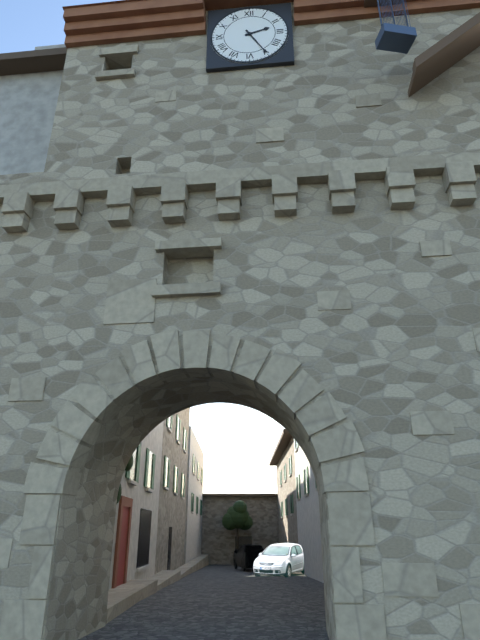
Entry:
**2:25**
